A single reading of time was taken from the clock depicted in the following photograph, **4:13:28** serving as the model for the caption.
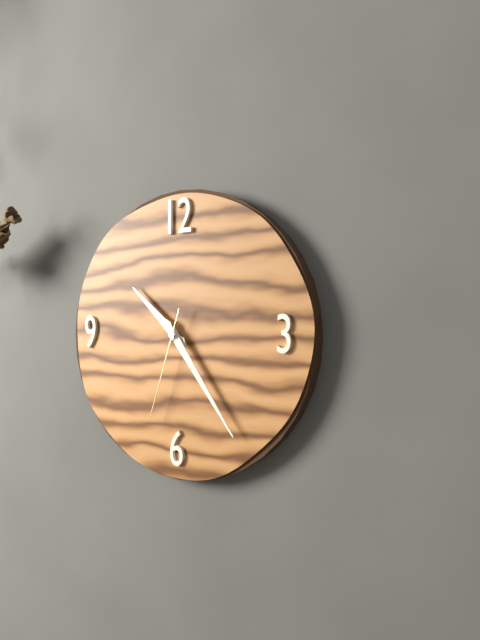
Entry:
**10:24:33**
